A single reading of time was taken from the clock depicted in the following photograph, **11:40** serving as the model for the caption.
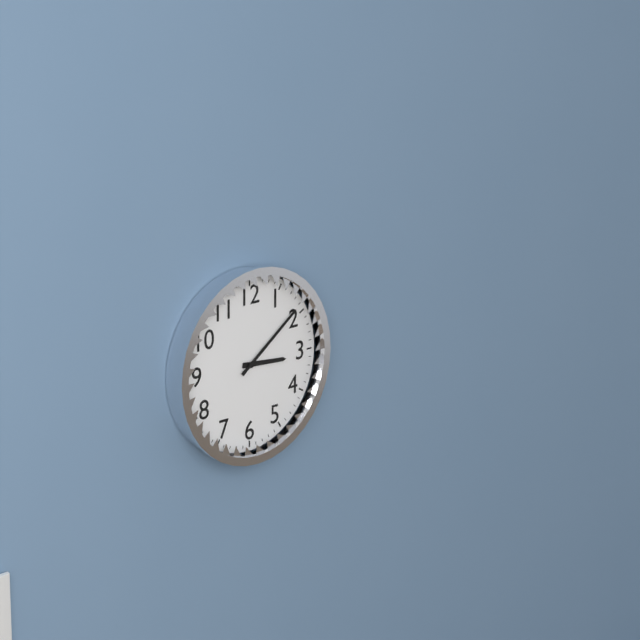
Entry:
**3:09**
